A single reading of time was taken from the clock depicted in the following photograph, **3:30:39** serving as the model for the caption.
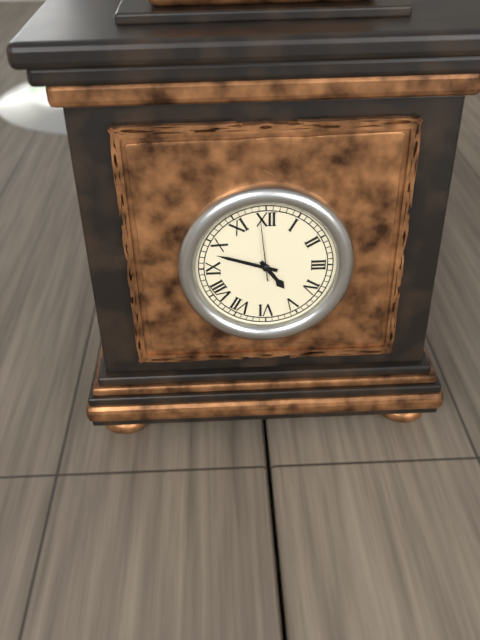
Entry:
**4:48:59**
